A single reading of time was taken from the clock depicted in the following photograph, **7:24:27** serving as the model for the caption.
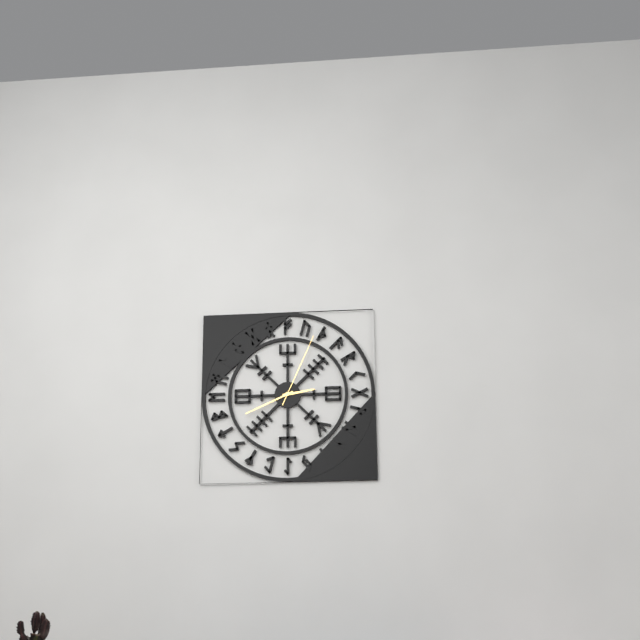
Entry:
**2:41:04**
